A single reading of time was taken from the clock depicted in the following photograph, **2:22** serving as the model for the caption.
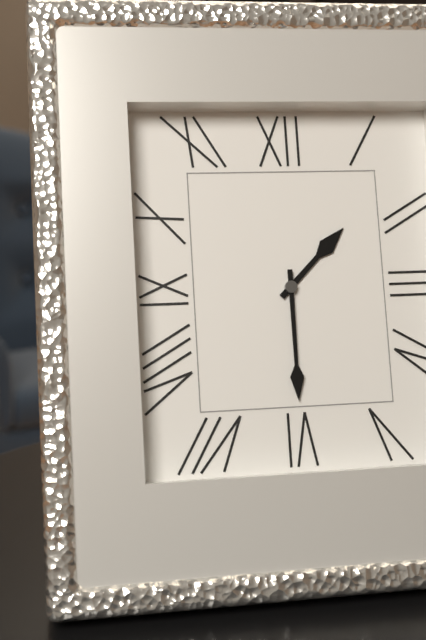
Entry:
**1:30**
